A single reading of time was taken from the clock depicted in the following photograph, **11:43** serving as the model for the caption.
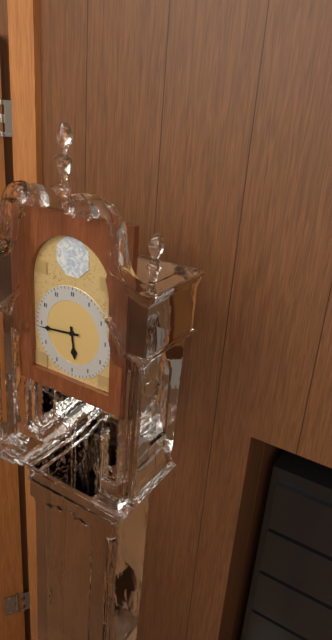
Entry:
**5:44**
